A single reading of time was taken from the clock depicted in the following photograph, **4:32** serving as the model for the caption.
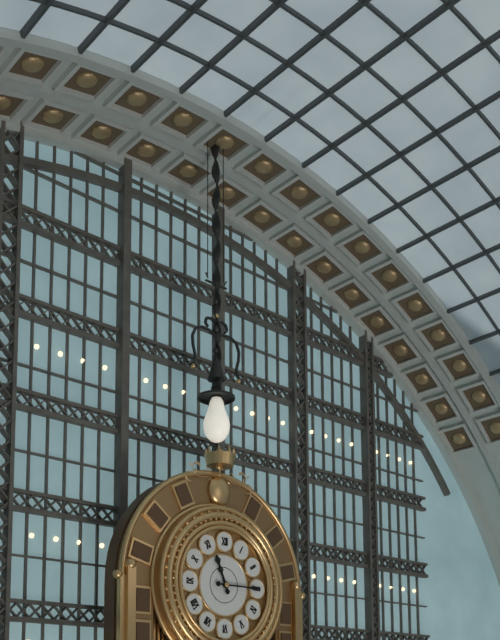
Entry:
**11:15**
